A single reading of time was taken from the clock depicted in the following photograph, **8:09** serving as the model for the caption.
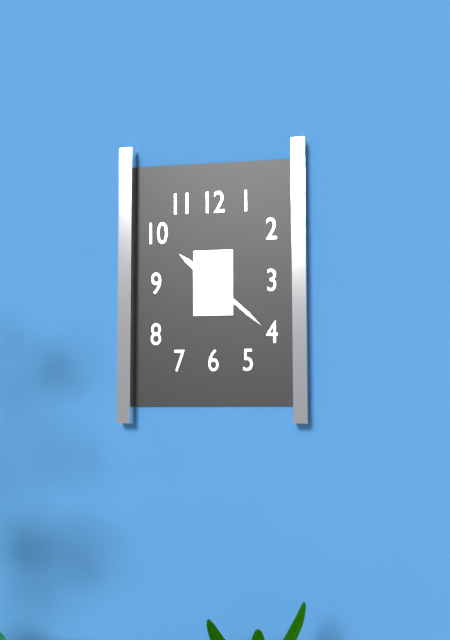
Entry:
**10:22**
